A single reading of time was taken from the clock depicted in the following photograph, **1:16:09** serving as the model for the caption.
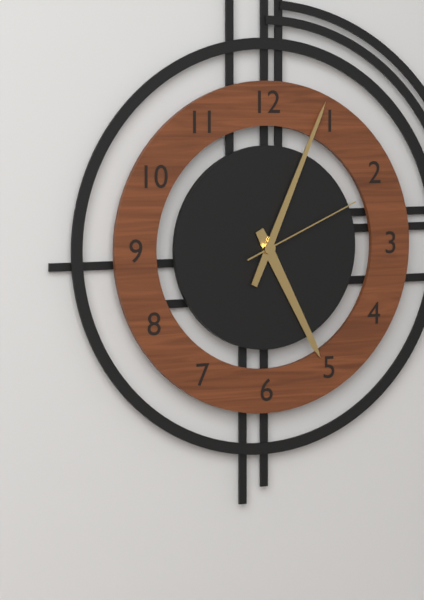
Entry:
**5:04:11**
